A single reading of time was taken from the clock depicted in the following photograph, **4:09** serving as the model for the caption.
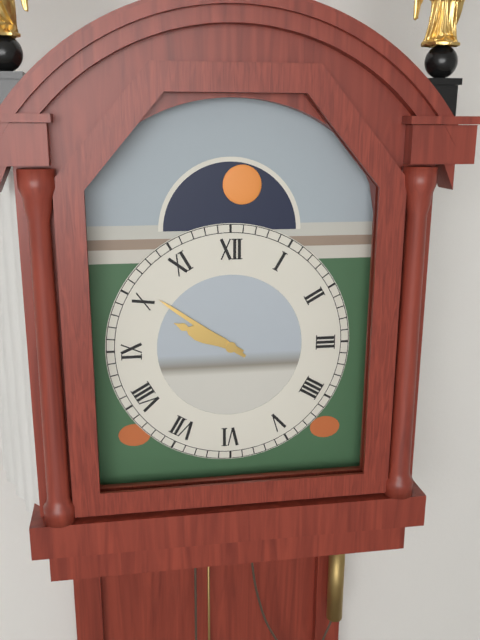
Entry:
**9:51**
